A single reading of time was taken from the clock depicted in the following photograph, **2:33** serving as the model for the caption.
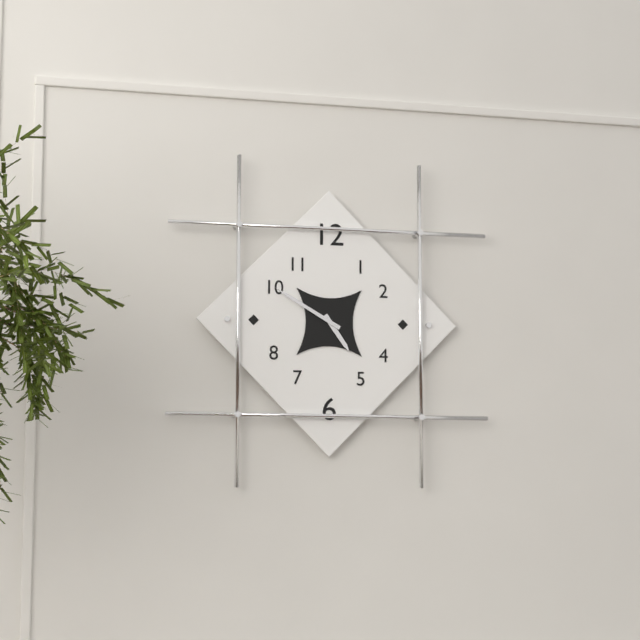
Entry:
**4:50**
